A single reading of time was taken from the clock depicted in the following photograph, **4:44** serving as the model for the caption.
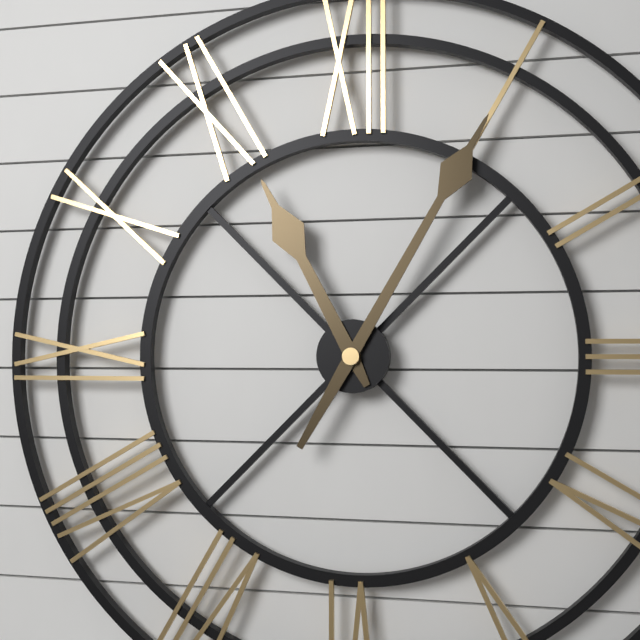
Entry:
**11:05**
